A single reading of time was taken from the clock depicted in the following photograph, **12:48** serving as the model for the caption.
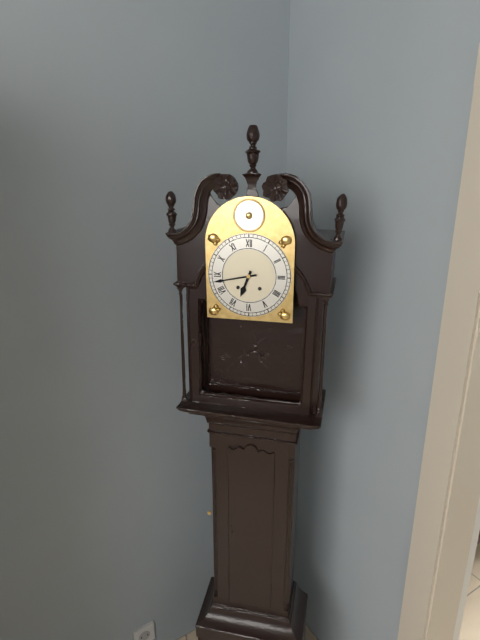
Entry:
**6:43**
